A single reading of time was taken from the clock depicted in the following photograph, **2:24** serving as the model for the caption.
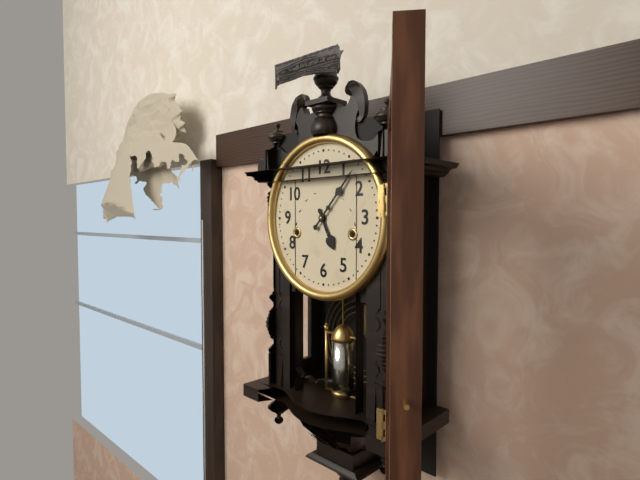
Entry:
**5:07**
